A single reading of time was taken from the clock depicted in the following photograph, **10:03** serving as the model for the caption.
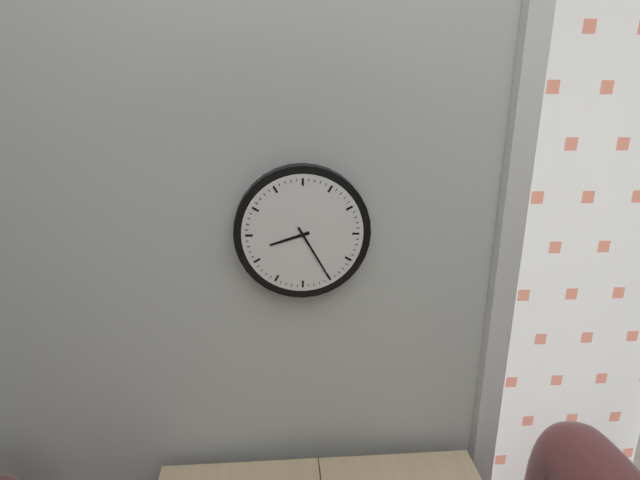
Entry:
**8:25**
